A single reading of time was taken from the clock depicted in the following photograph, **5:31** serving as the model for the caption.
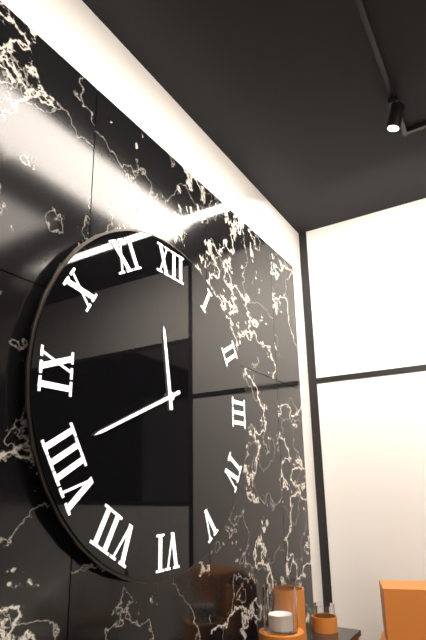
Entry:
**11:41**
